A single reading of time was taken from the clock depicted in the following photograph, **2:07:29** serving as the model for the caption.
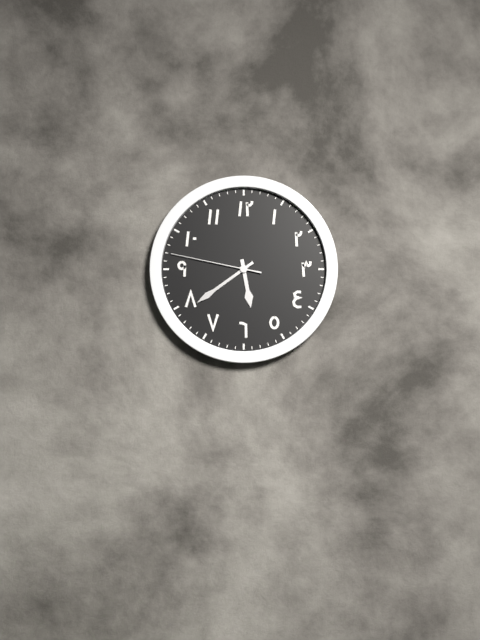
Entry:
**5:39:47**
